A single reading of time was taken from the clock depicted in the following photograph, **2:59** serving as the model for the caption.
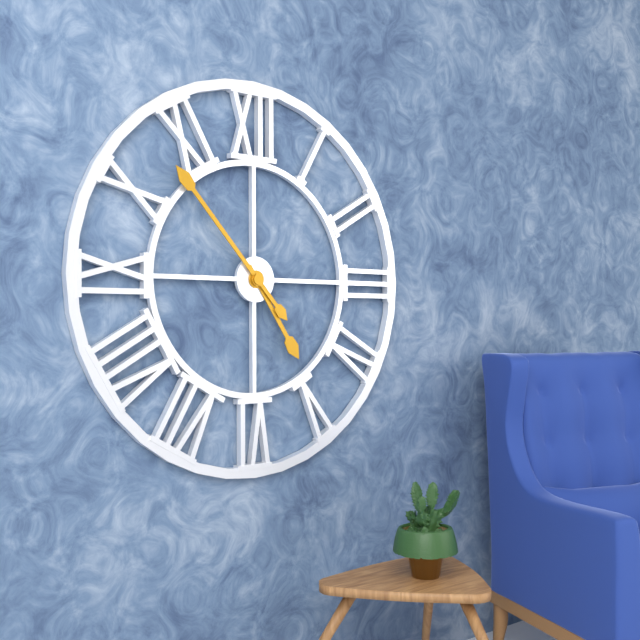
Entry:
**4:53**
